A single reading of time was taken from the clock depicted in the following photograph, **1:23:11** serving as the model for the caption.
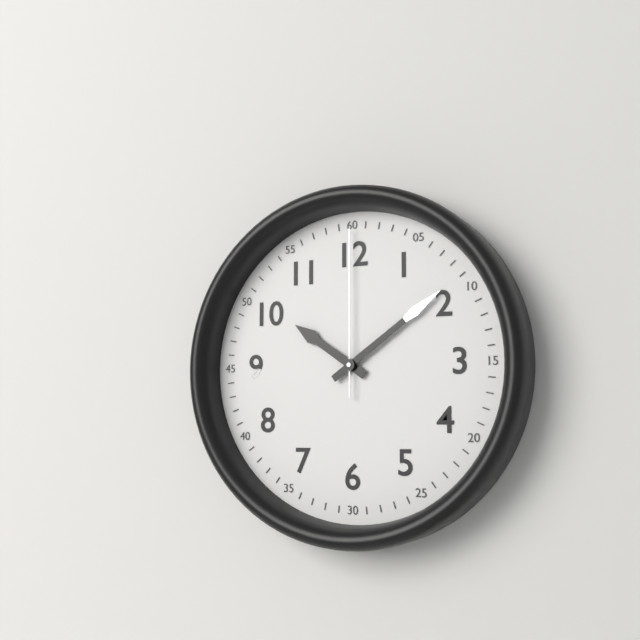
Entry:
**10:09:00**
